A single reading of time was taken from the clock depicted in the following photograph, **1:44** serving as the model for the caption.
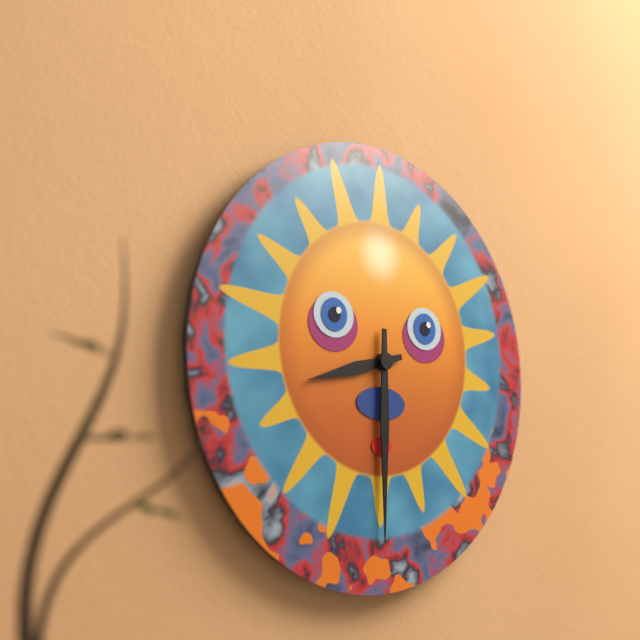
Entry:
**8:30**
